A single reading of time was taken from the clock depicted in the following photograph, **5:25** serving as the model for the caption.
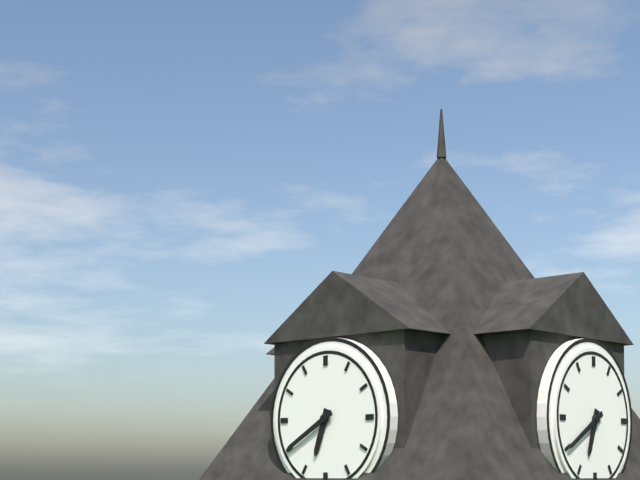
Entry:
**6:40**
